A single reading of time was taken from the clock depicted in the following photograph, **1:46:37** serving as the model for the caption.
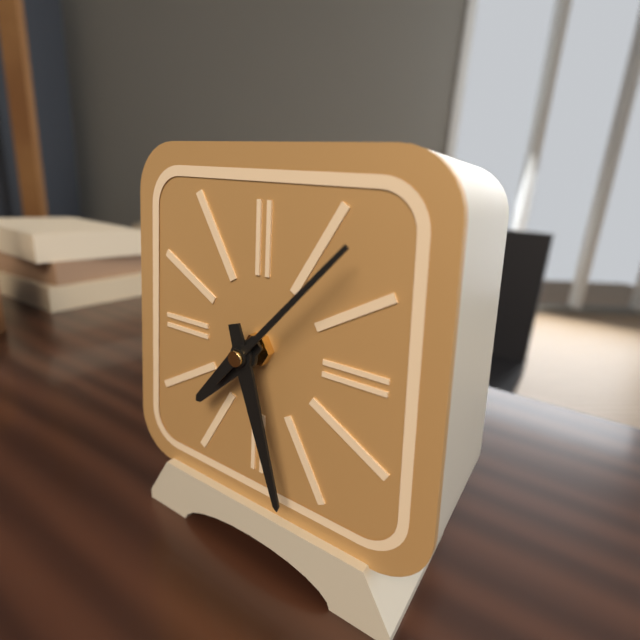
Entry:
**7:27:07**
